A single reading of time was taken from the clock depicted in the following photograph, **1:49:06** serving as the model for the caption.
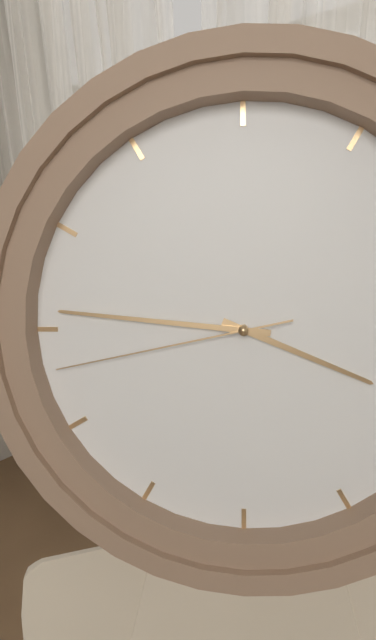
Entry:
**3:46:43**
